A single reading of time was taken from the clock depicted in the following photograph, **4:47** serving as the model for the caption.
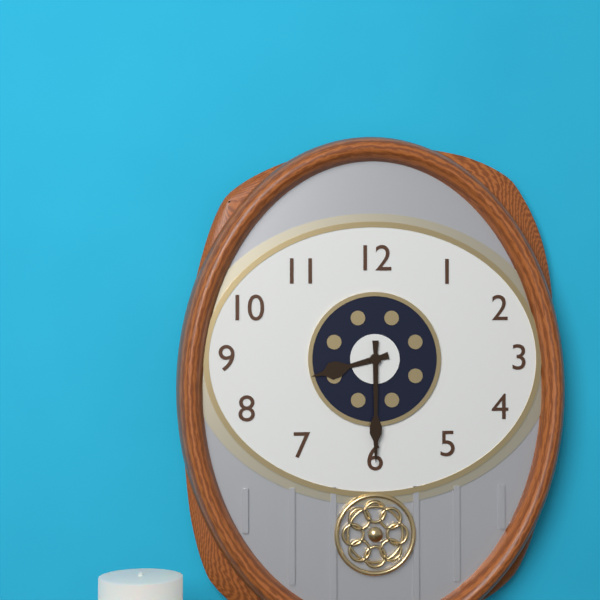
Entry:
**8:30**
